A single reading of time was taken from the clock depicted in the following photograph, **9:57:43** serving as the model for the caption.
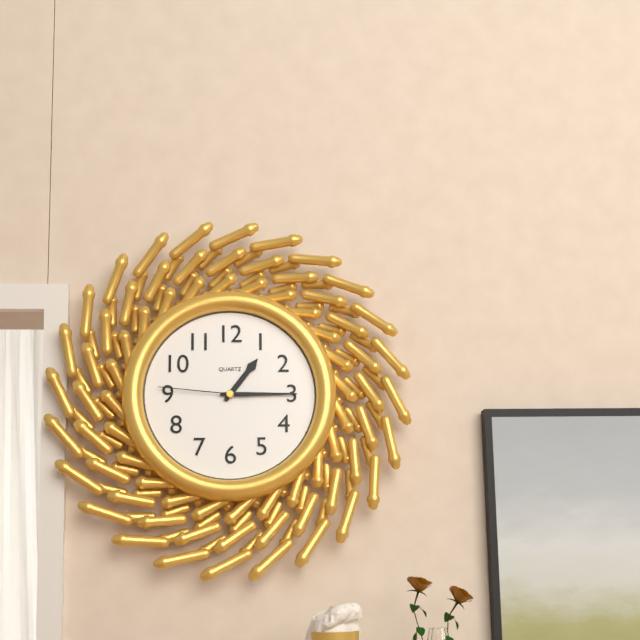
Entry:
**1:15:46**
